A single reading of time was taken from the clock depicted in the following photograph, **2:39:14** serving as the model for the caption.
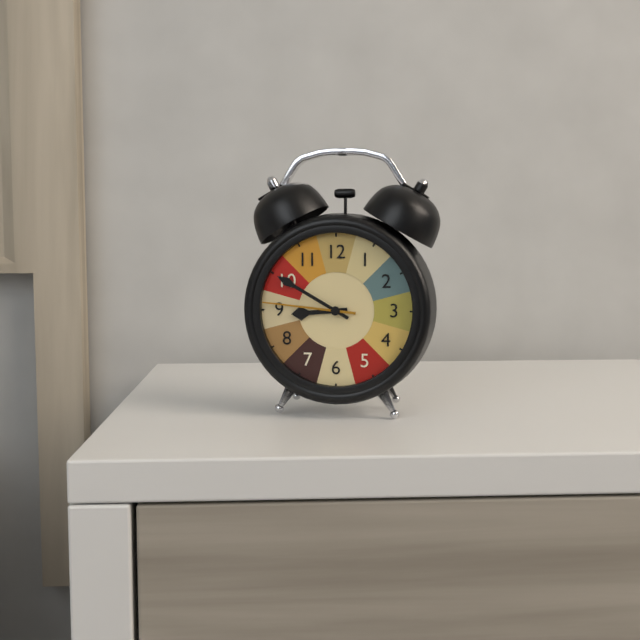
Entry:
**8:50:46**
